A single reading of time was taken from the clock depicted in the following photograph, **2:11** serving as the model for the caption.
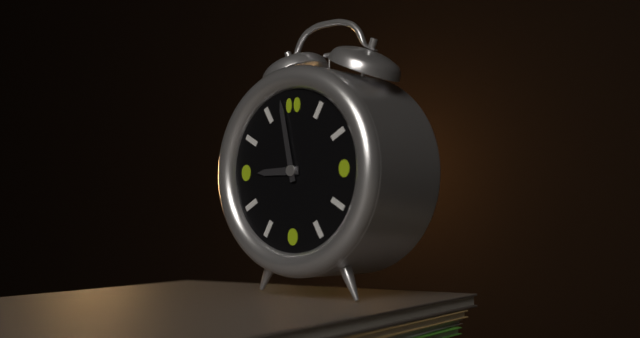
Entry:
**8:58**
